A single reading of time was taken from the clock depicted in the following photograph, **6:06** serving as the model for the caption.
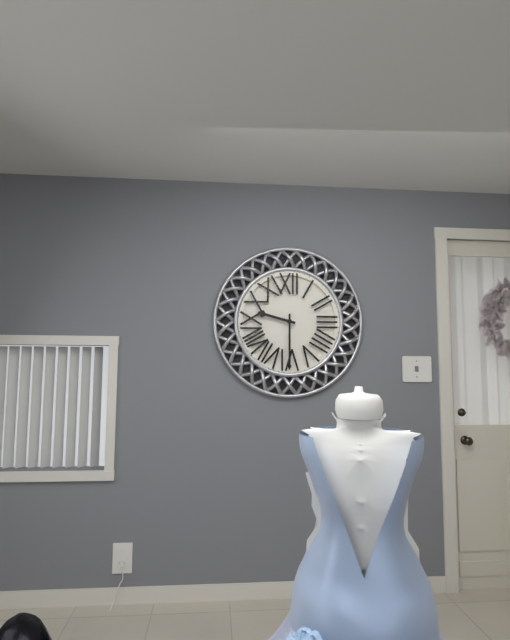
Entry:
**9:30**
